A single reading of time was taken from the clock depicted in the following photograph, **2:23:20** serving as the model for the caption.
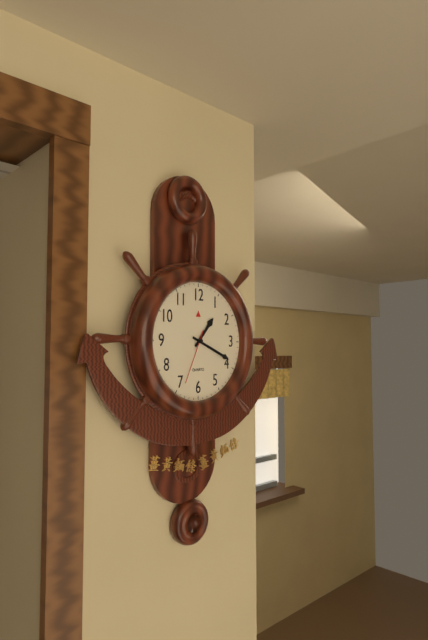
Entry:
**1:19:34**
